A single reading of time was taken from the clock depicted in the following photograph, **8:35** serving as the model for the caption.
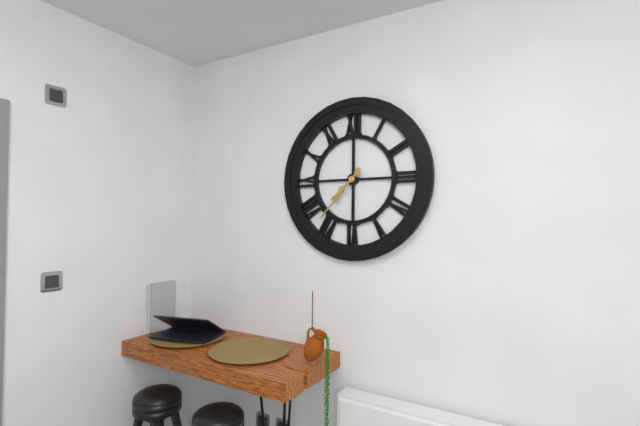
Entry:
**7:37**
